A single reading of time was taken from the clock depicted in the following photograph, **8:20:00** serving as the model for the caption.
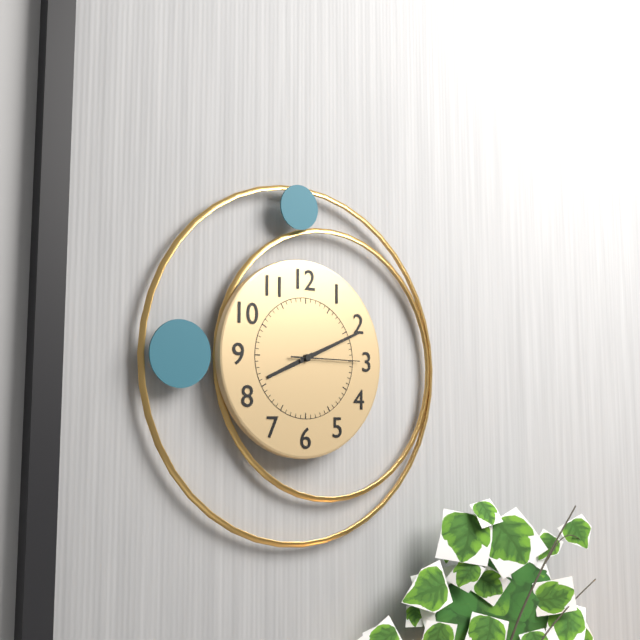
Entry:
**8:11:15**
